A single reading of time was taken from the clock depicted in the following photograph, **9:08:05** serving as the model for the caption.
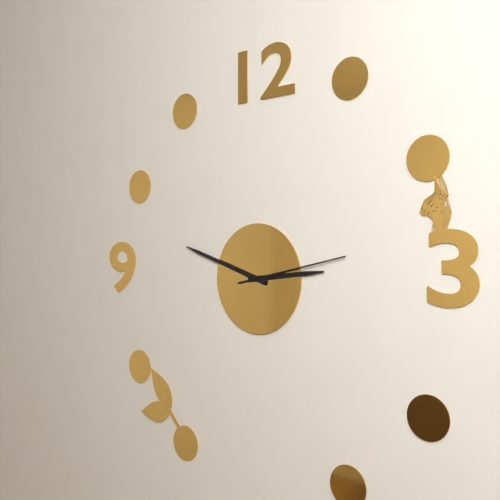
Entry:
**2:48:13**
